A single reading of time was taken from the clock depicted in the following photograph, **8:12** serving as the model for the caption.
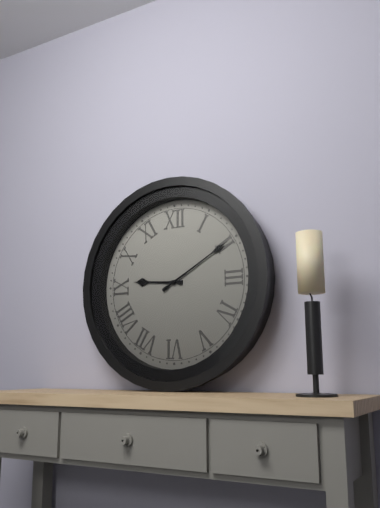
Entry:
**9:10**
